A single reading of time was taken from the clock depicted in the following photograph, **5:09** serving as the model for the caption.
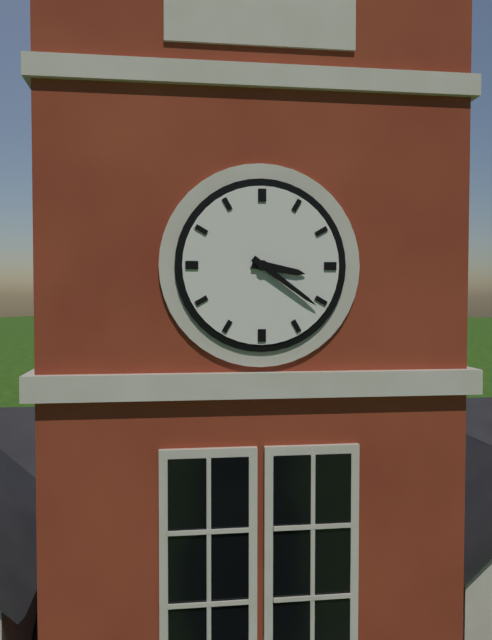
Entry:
**3:21**
